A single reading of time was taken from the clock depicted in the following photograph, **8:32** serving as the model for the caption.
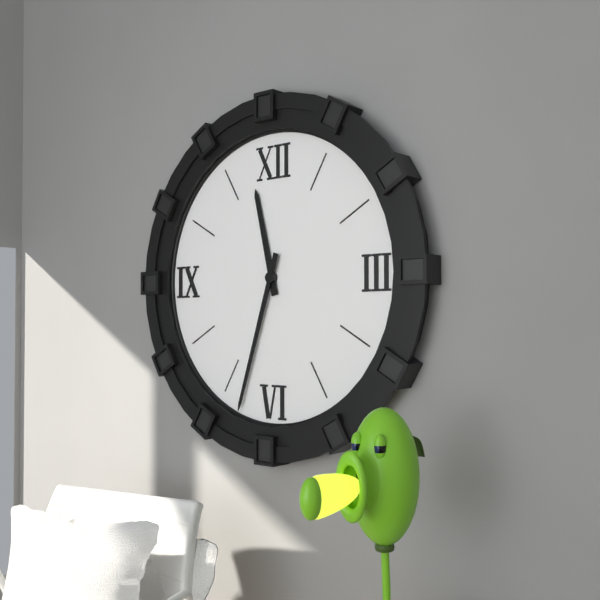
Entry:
**11:33**
